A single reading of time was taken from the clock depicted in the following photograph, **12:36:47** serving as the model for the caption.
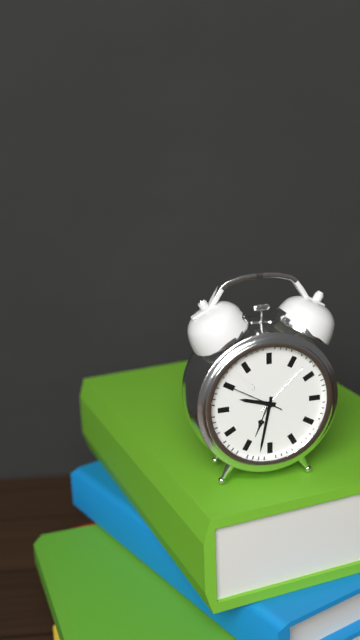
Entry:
**9:32:50**
